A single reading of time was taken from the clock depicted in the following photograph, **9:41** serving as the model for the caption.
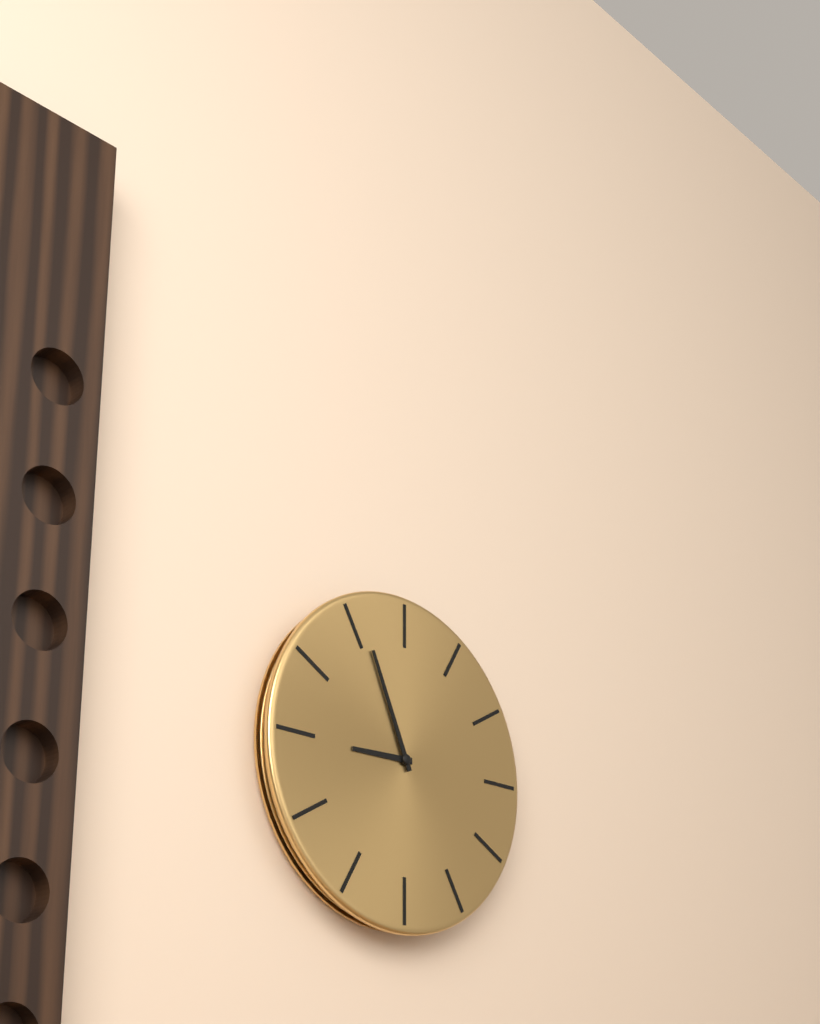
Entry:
**8:56**
